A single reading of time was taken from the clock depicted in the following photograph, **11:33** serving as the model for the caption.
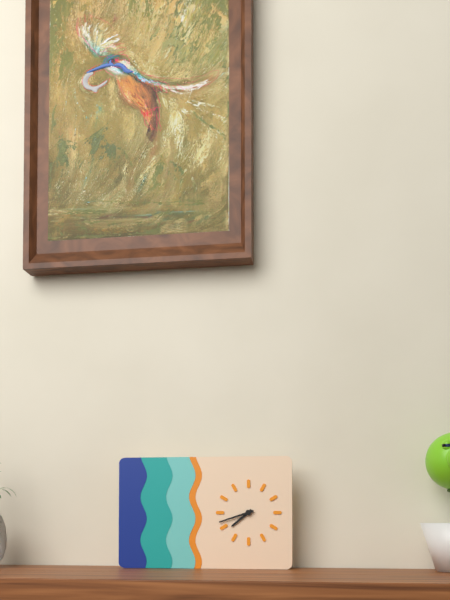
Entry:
**7:42**
